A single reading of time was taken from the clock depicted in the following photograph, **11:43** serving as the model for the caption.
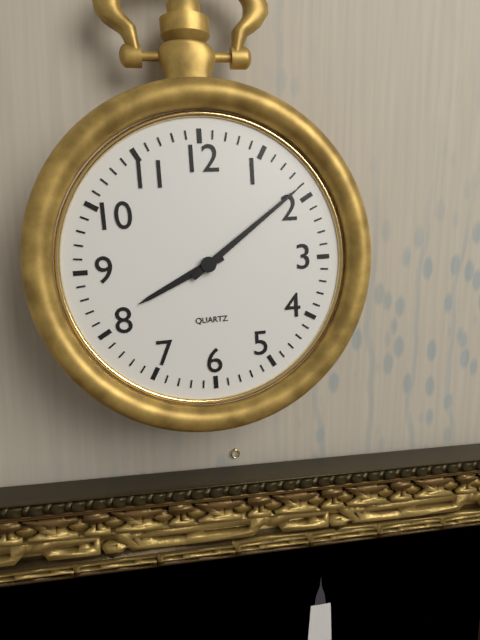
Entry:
**8:09**
